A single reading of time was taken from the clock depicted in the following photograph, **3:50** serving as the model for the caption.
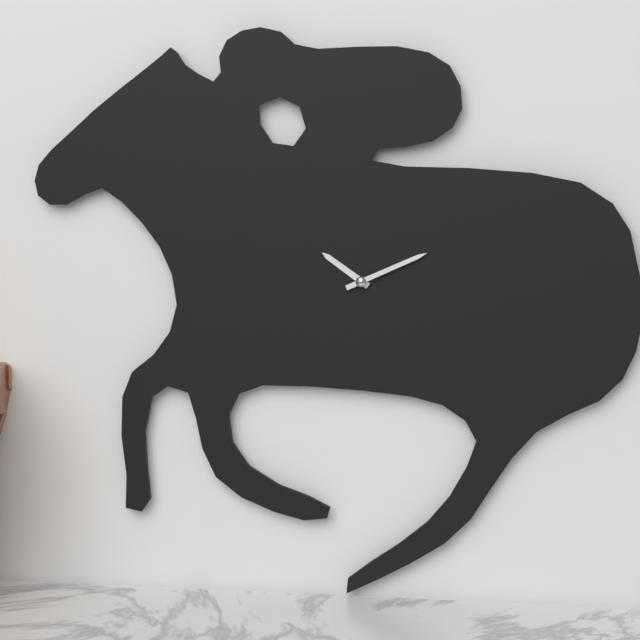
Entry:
**10:11**
